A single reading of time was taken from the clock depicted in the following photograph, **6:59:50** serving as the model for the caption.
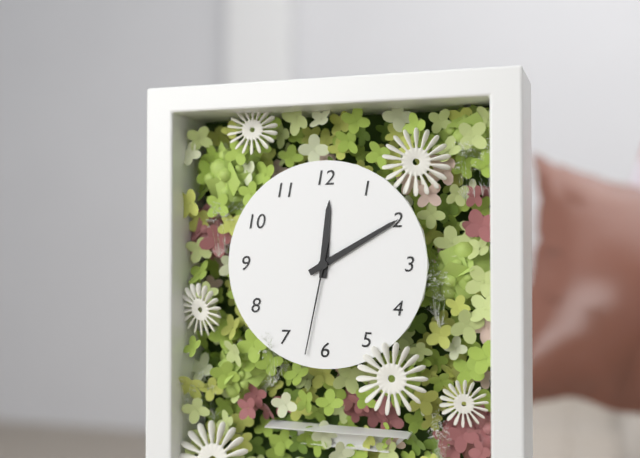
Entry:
**12:10:32**
